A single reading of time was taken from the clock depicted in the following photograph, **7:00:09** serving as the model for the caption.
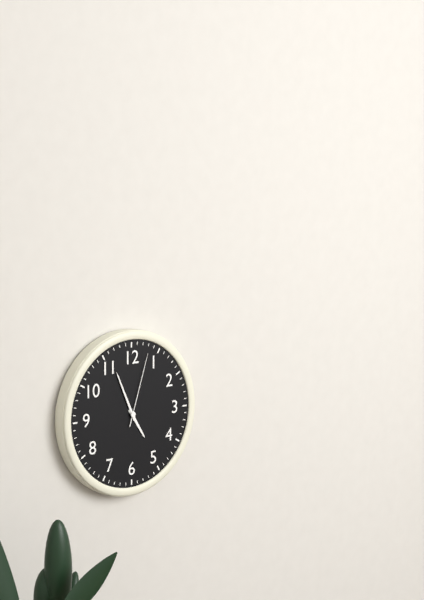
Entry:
**4:56:03**
